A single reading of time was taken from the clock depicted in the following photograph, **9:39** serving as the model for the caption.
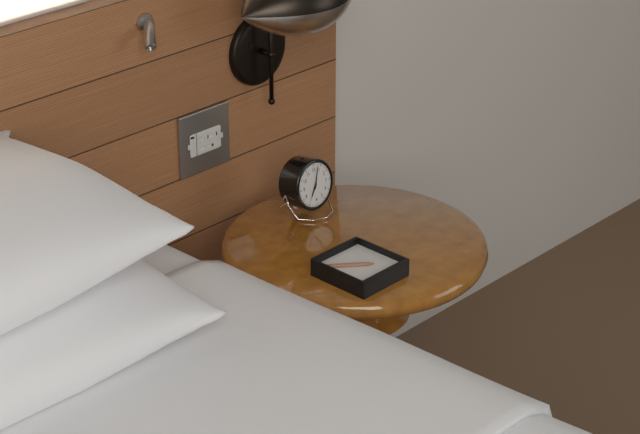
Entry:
**7:03**
